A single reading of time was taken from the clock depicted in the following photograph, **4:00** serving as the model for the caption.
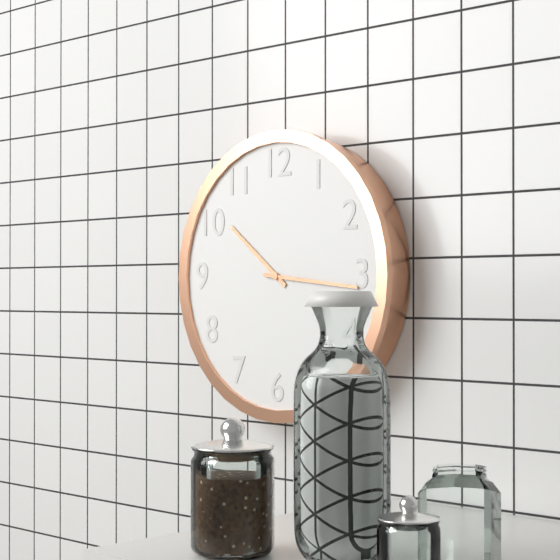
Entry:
**10:16**
